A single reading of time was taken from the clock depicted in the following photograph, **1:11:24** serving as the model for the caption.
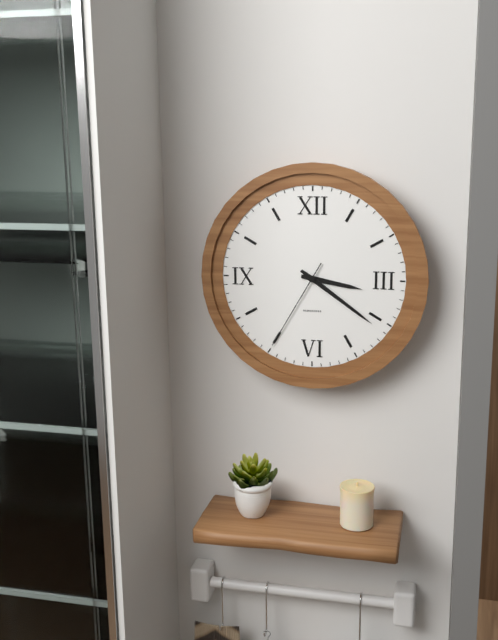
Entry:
**3:21:35**
